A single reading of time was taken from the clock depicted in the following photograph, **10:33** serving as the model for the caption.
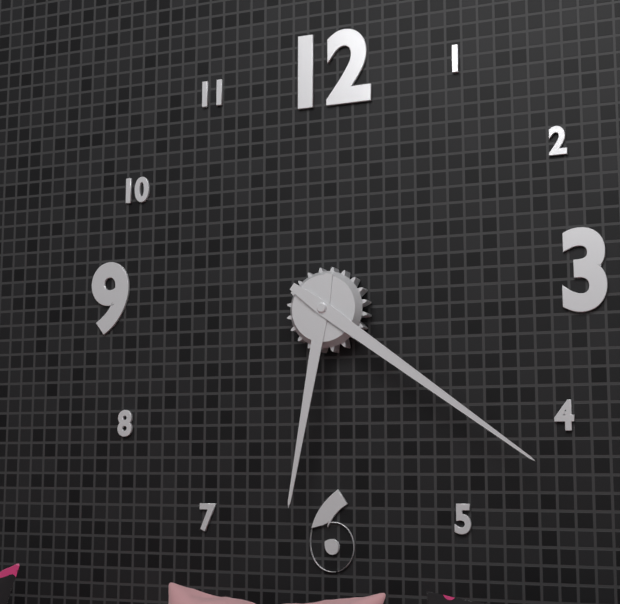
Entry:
**6:21**
